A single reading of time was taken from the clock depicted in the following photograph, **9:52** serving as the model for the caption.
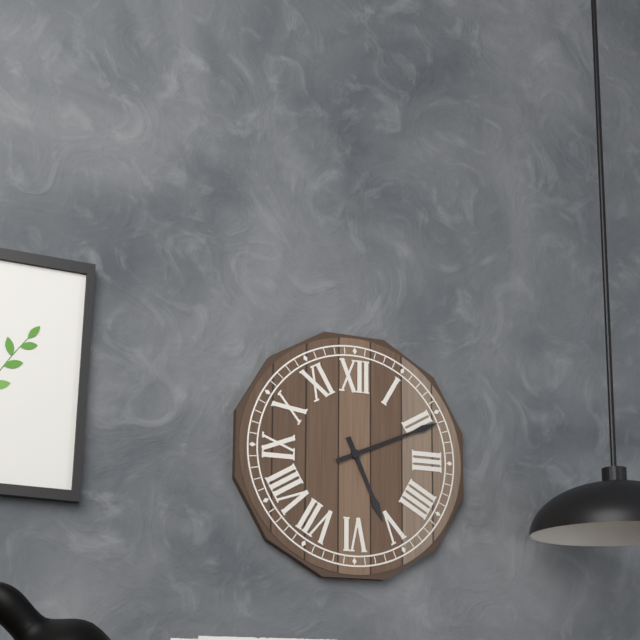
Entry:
**5:11**
